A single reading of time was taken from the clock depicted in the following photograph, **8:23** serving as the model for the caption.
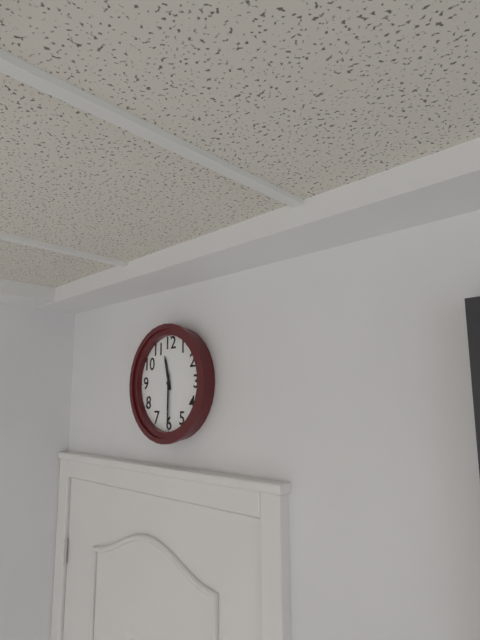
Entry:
**11:30**
